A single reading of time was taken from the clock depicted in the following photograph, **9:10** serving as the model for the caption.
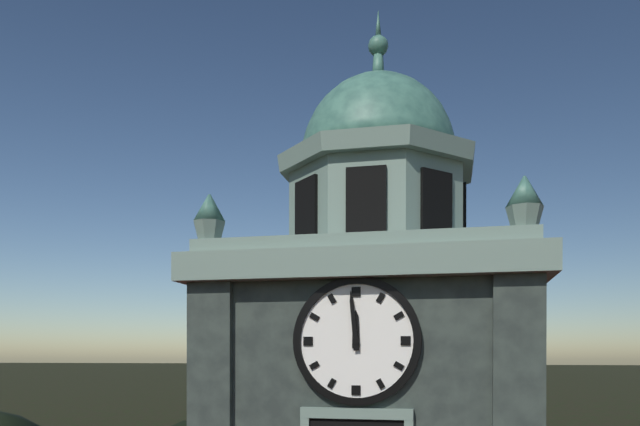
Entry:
**11:59**
